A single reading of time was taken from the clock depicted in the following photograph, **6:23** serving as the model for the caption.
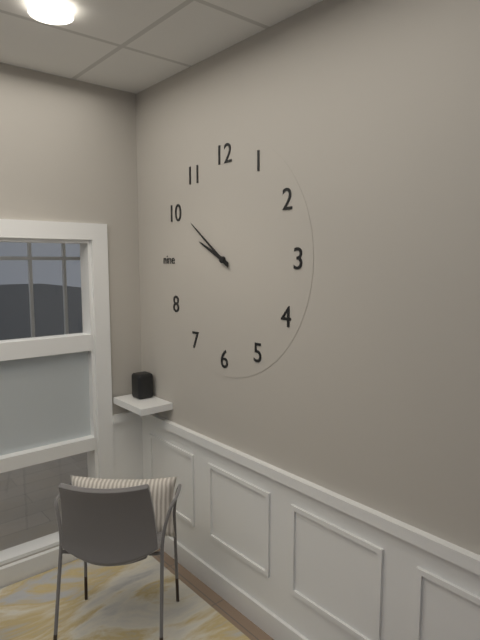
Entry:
**9:51**
